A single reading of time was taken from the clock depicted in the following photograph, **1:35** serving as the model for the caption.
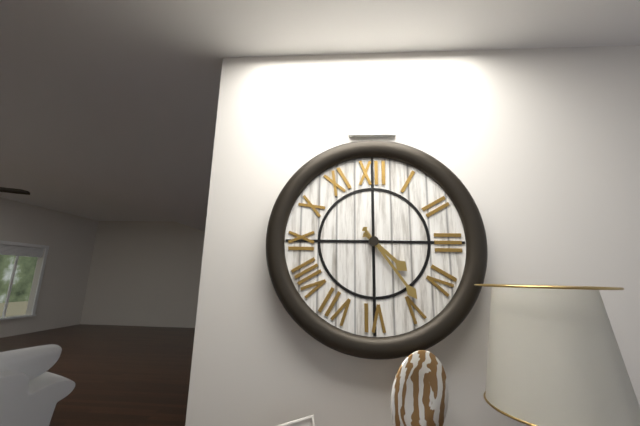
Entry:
**4:24**
